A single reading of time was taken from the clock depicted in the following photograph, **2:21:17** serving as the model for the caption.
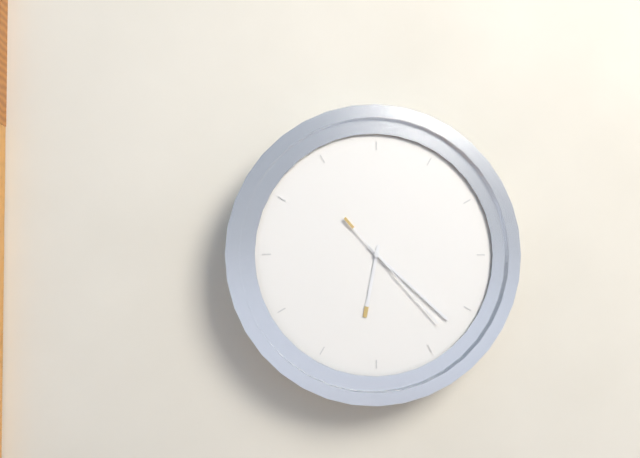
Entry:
**6:22:23**
